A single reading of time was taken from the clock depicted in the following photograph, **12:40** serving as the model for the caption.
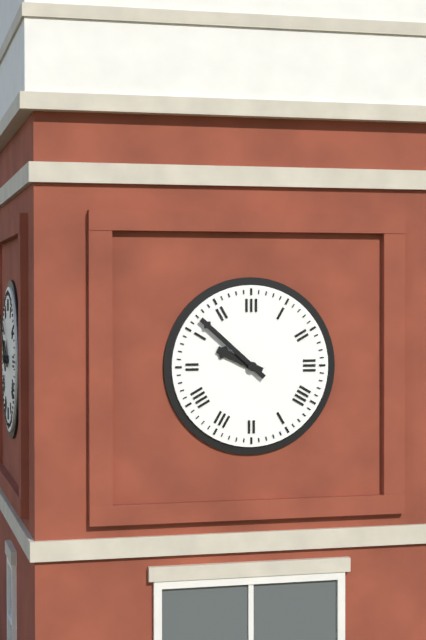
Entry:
**9:52**
